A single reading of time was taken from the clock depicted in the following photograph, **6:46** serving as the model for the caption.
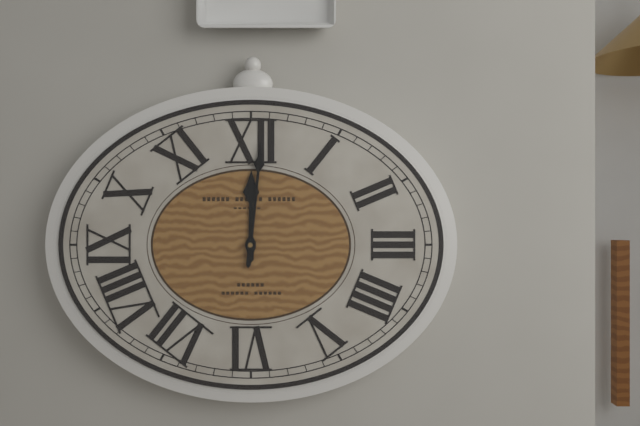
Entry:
**12:01**
